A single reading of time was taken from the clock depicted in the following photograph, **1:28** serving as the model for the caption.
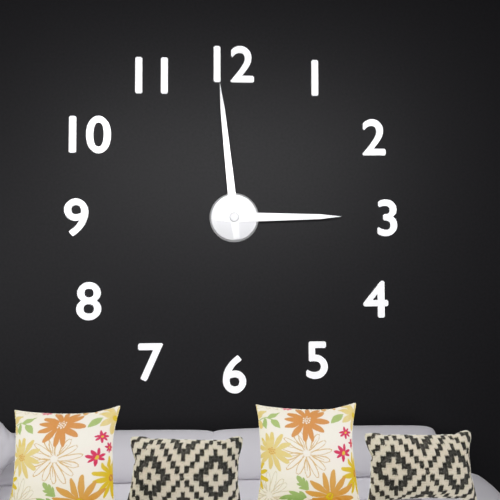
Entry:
**2:59**
